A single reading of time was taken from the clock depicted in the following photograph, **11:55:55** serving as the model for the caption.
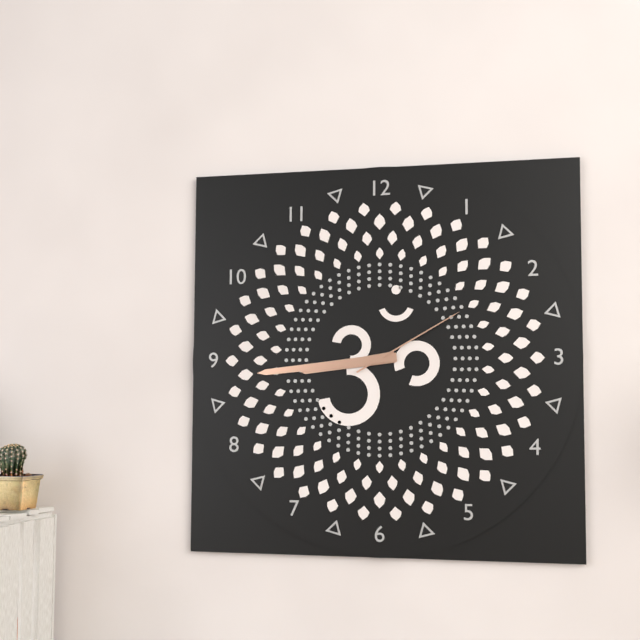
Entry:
**8:44:10**
